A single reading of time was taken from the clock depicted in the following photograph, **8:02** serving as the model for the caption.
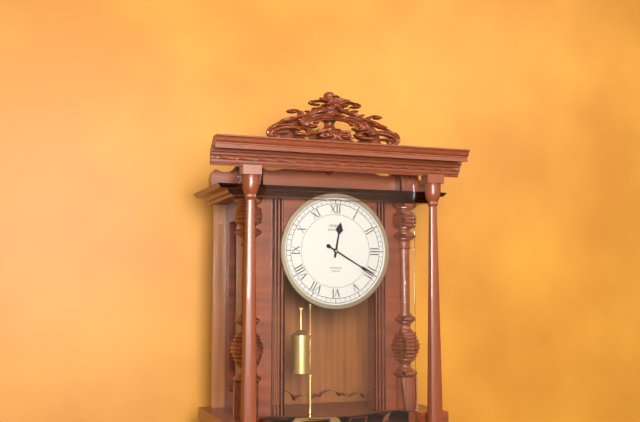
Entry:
**12:20**
